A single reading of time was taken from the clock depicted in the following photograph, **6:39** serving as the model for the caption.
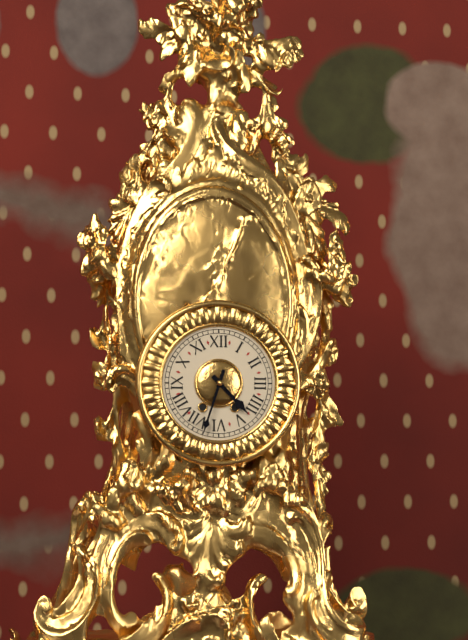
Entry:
**4:33**
